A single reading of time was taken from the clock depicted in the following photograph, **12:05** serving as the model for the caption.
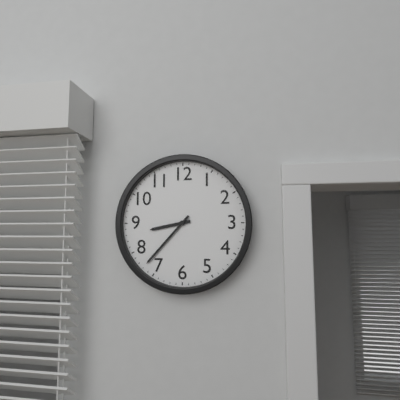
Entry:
**8:37**
